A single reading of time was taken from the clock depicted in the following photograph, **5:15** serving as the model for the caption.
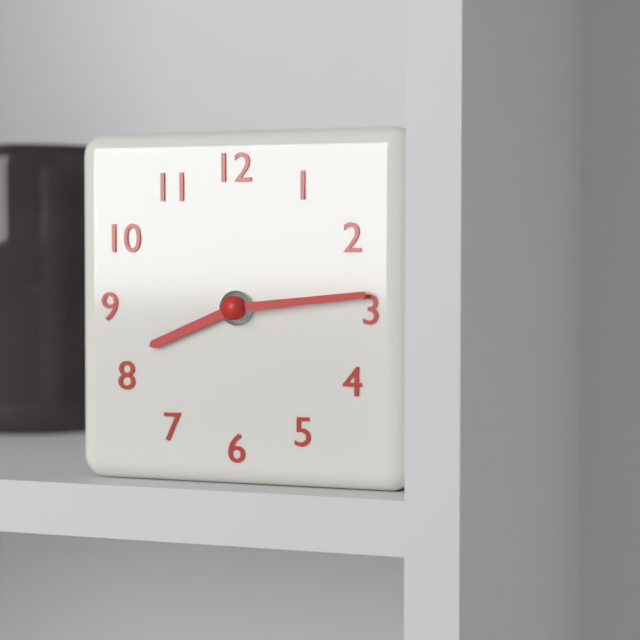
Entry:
**8:14**
